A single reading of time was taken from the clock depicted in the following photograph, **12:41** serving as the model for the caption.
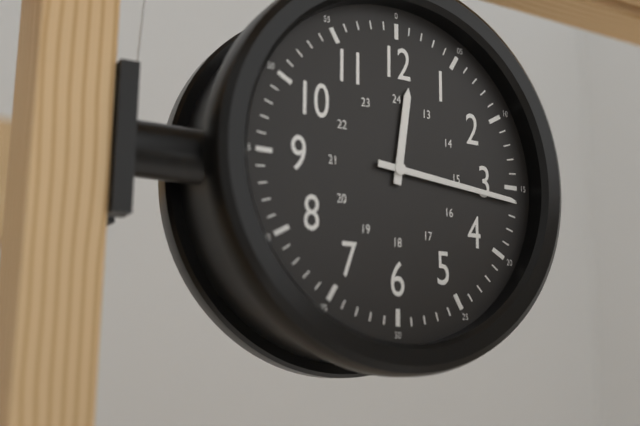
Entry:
**12:16**
